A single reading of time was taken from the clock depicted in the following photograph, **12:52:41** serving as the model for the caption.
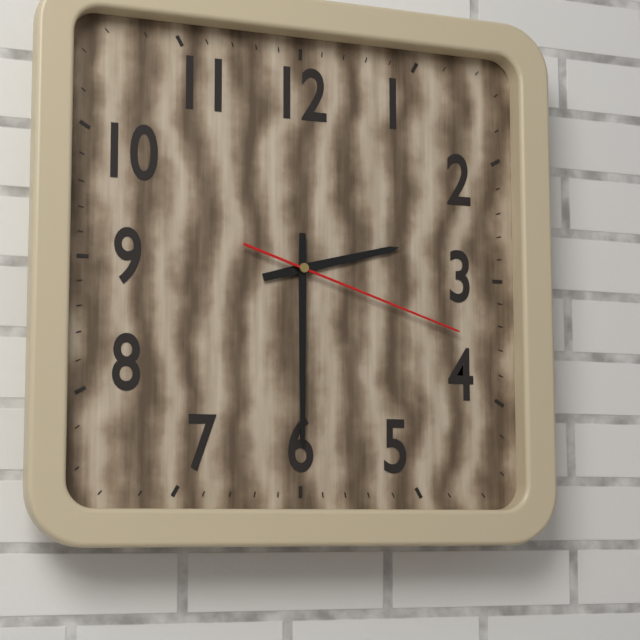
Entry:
**2:30:18**
